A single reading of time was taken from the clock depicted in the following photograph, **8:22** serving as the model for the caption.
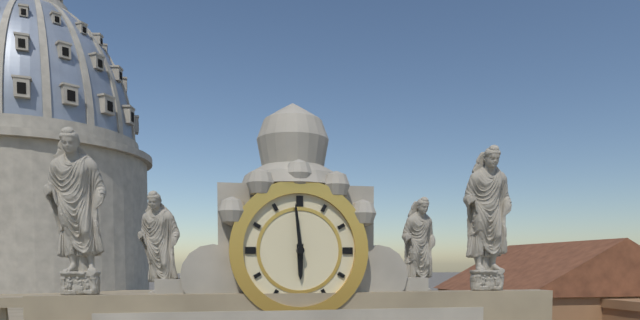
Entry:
**5:59**
